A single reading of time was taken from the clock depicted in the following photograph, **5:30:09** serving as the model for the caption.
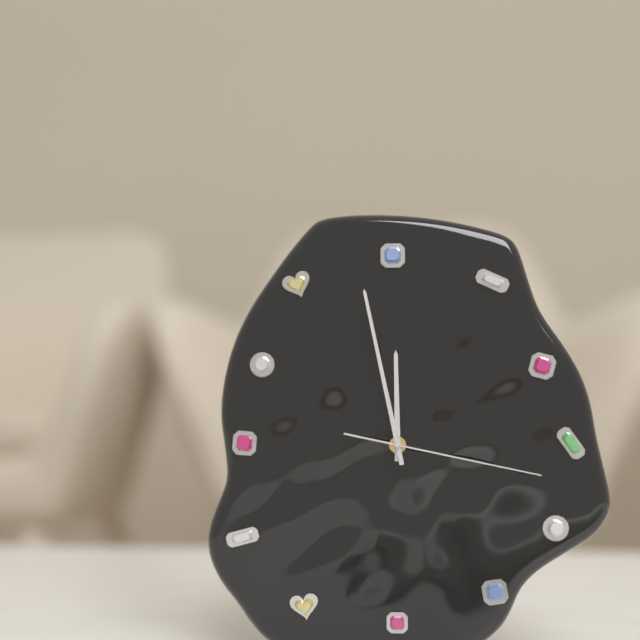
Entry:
**11:58:17**
